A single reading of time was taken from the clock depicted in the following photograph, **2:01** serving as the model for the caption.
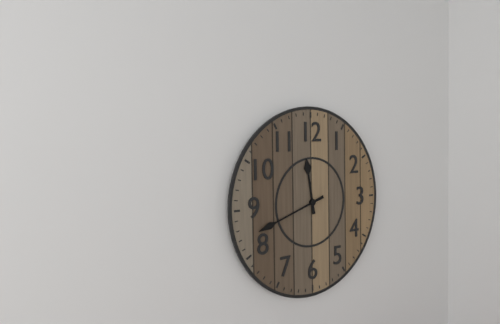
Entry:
**11:42**
